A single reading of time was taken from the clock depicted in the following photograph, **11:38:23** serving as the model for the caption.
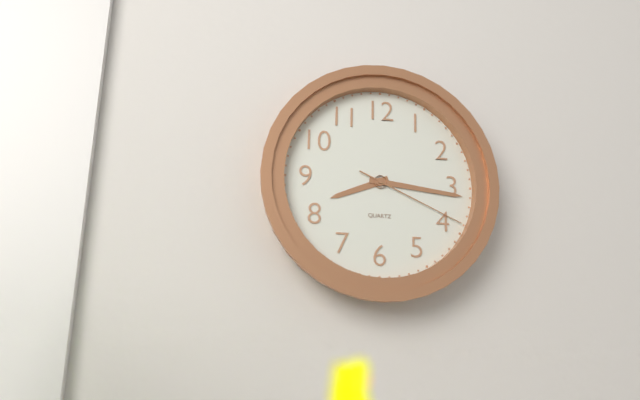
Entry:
**8:16:19**
